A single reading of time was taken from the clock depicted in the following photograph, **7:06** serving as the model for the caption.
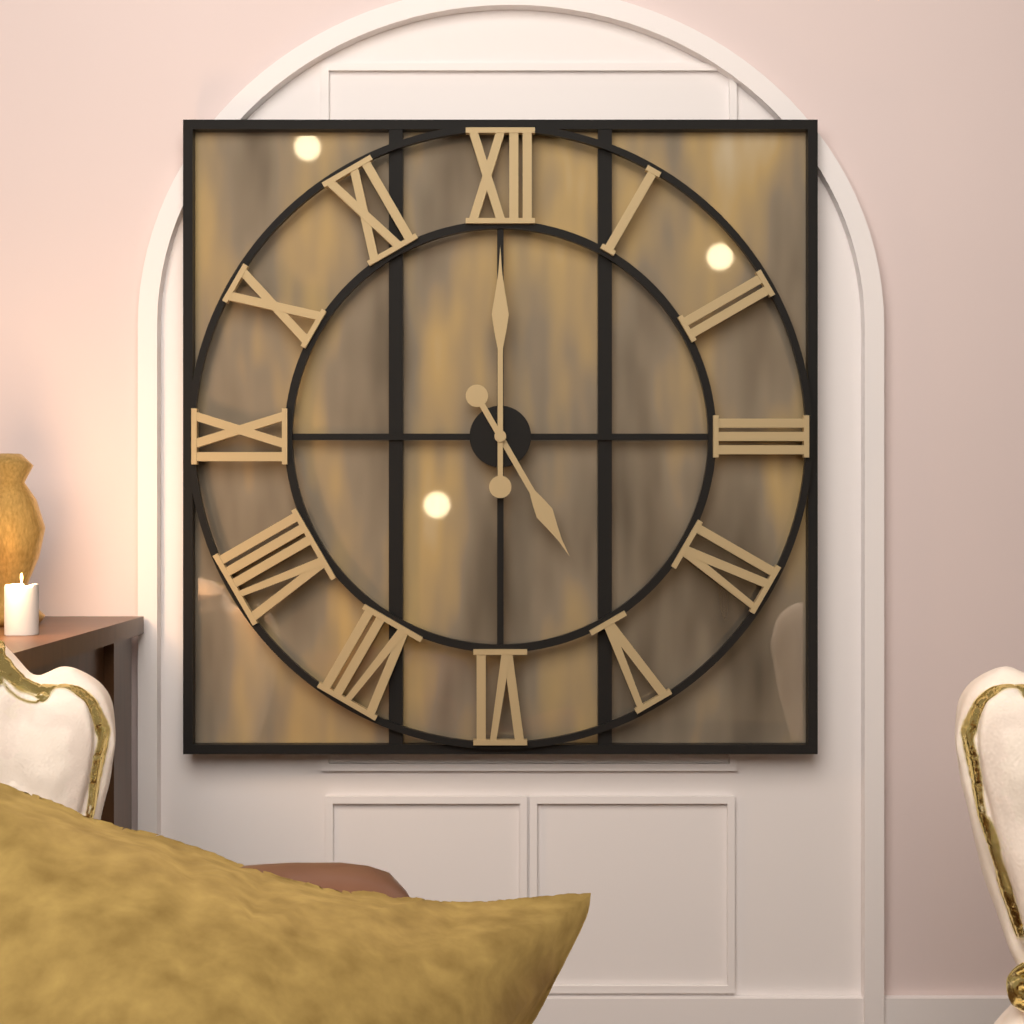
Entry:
**5:00**
